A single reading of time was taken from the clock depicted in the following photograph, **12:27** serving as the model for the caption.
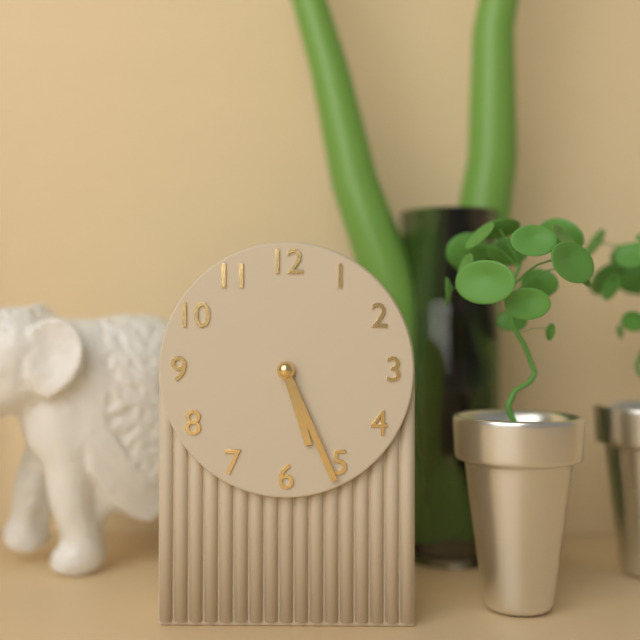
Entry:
**5:26**
